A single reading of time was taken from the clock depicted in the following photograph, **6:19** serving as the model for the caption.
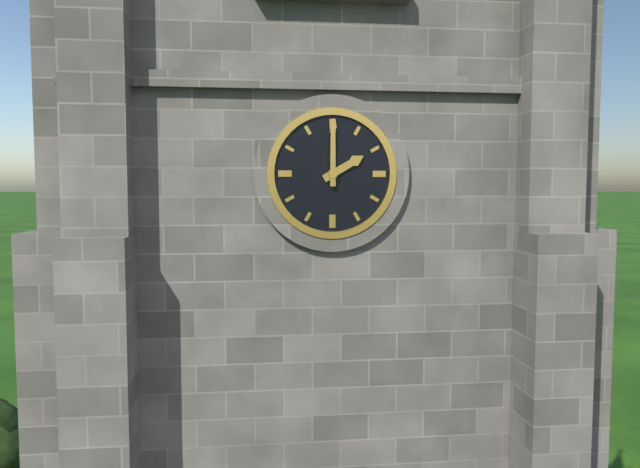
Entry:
**2:00**
